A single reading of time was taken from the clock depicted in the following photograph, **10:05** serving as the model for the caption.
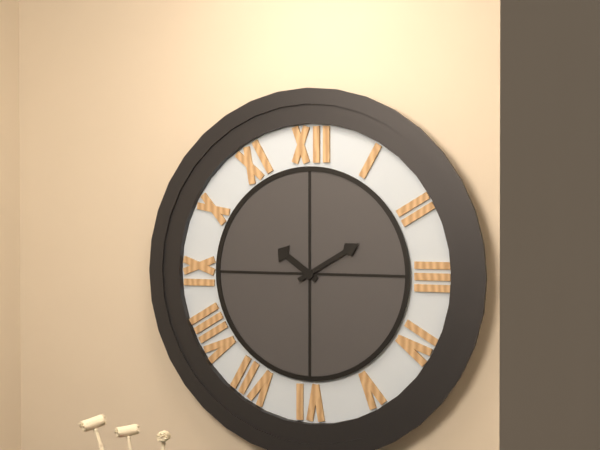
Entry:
**10:10**
